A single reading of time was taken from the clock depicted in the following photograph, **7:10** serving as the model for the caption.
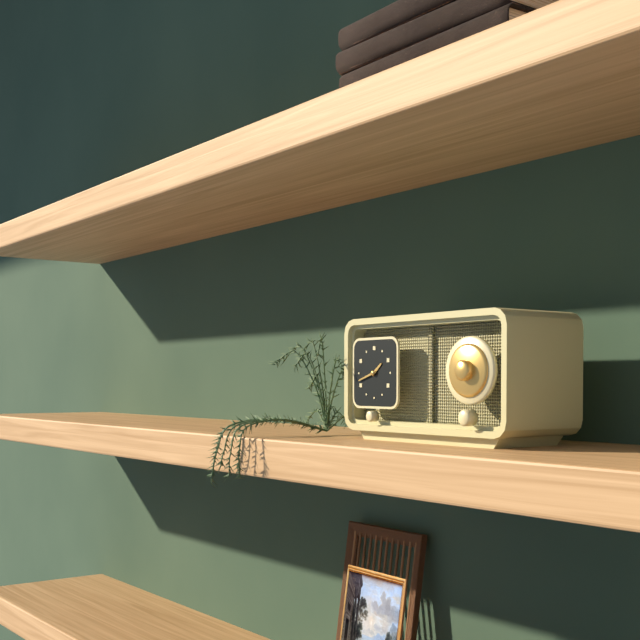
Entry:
**1:42**
